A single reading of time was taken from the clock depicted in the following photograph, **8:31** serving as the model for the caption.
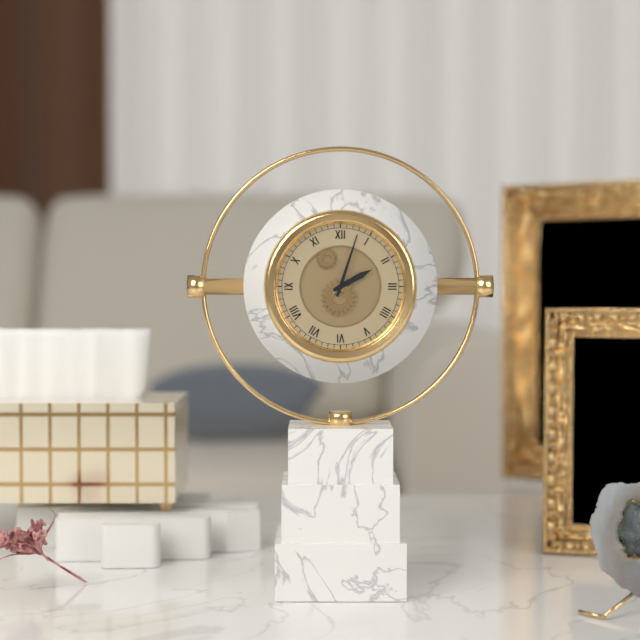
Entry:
**2:03**
